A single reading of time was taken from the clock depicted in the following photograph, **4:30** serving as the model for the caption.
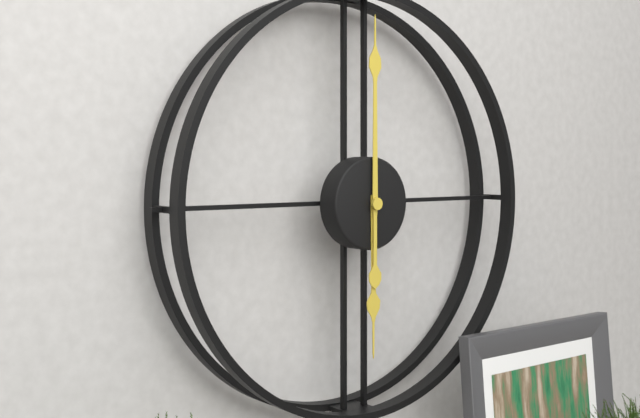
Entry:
**6:00**
